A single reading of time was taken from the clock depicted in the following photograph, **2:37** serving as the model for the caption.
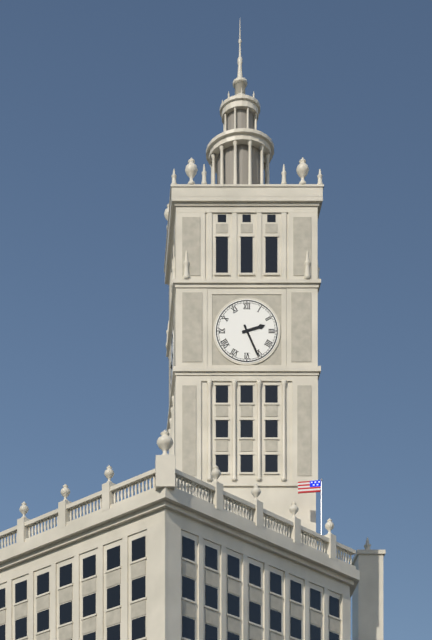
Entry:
**2:26**
